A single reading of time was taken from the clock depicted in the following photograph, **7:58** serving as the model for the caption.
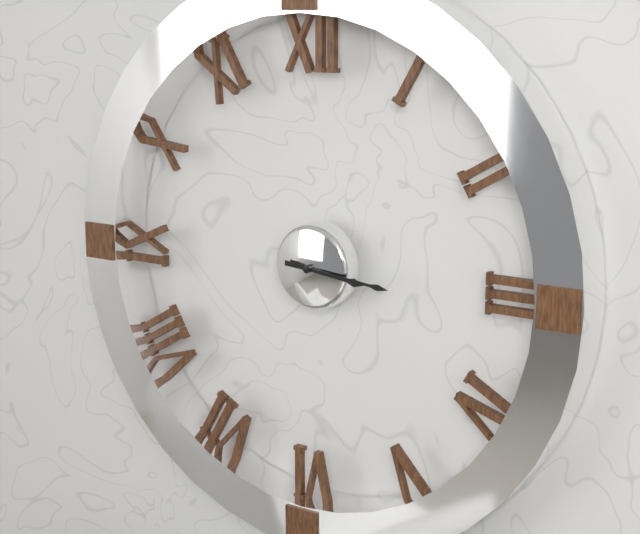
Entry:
**3:16**
